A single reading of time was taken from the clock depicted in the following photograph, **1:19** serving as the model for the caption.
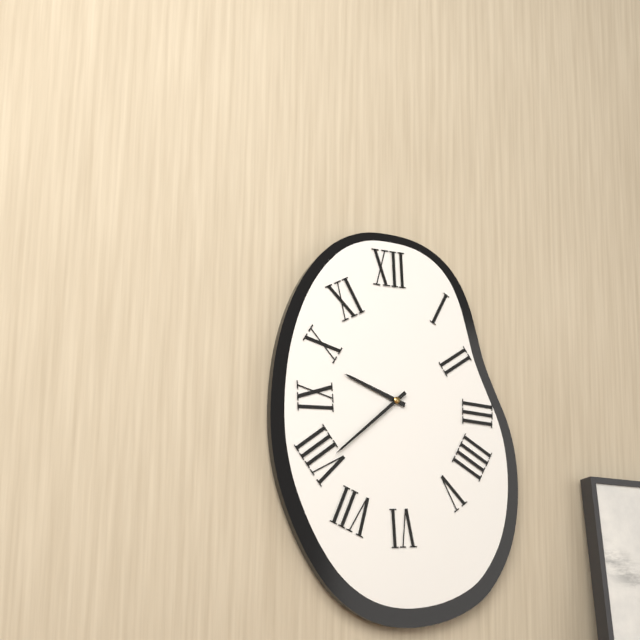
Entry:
**9:38**
